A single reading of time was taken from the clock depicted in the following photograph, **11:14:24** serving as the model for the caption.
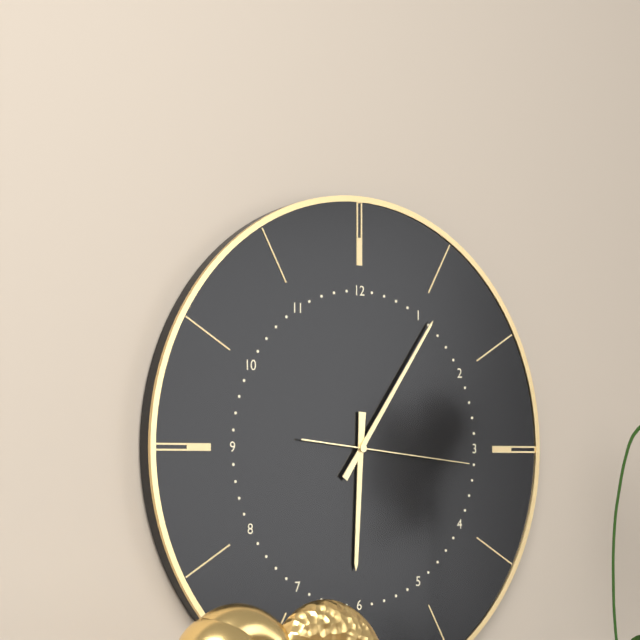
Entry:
**6:06:16**
